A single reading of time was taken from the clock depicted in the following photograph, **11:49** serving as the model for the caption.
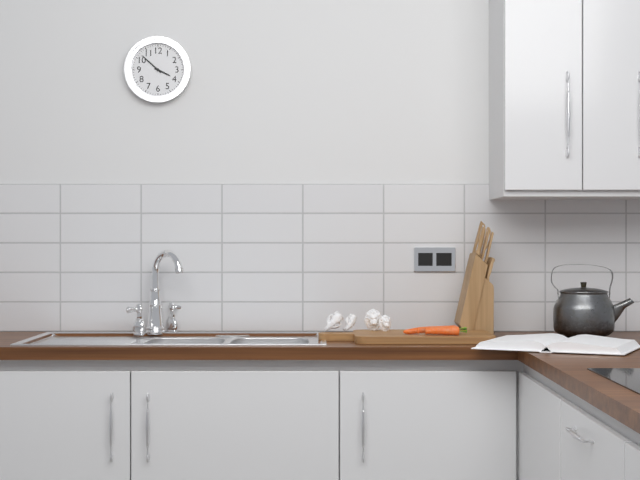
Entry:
**3:52**
